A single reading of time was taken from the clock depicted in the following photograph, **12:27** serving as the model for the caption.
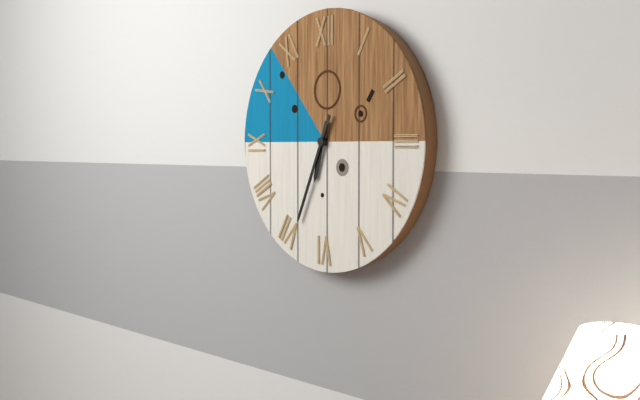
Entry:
**6:34**
